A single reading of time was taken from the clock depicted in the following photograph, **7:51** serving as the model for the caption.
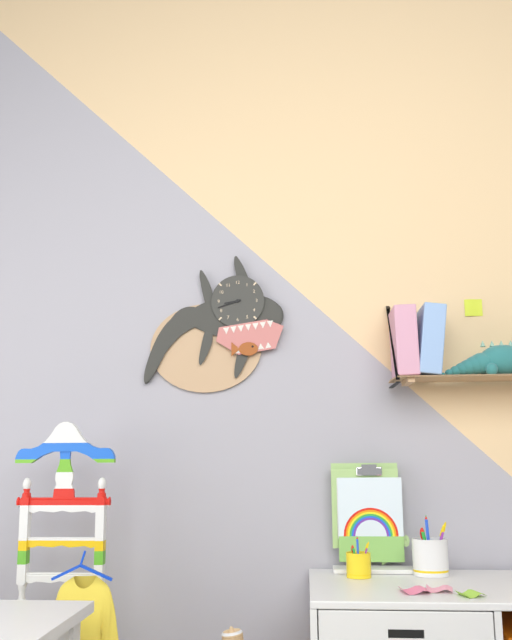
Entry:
**8:42**
